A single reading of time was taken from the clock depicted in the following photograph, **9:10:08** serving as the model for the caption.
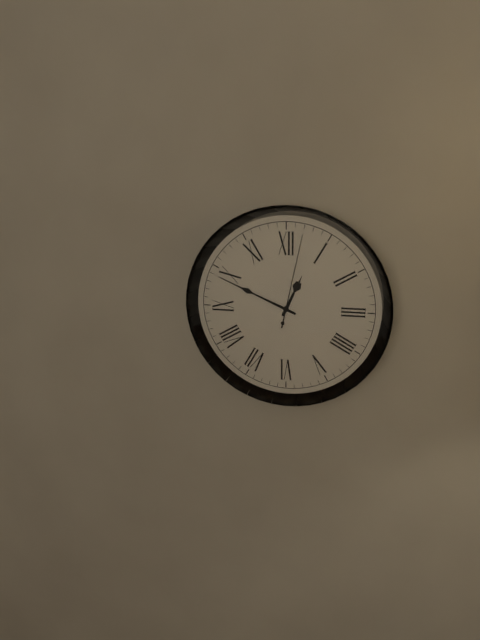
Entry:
**12:49:02**
